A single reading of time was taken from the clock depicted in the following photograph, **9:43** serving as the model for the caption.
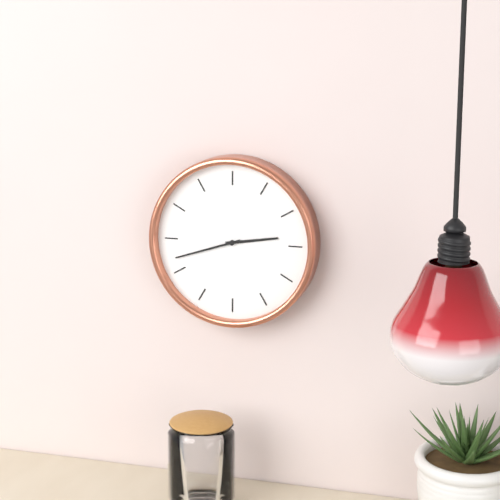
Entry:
**2:42**
